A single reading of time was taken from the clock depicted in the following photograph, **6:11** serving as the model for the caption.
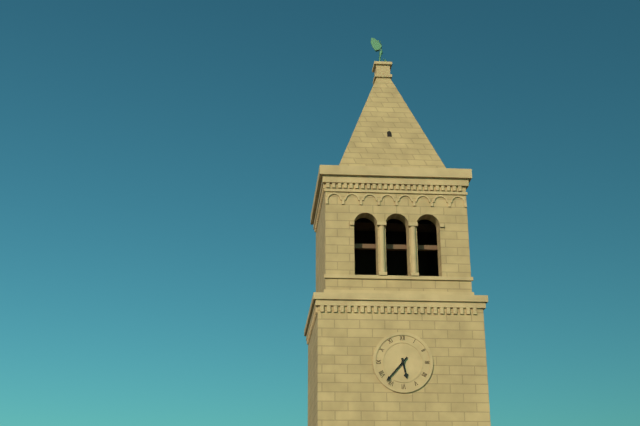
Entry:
**5:37**
